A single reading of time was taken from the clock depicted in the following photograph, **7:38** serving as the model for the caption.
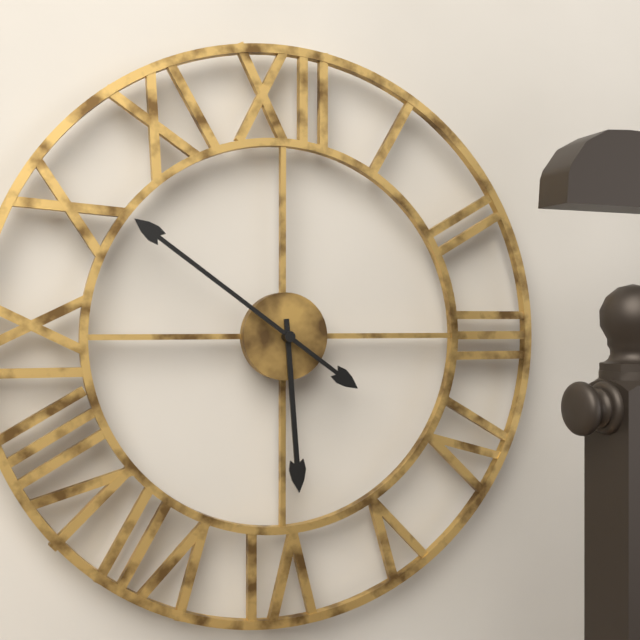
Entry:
**5:51**
